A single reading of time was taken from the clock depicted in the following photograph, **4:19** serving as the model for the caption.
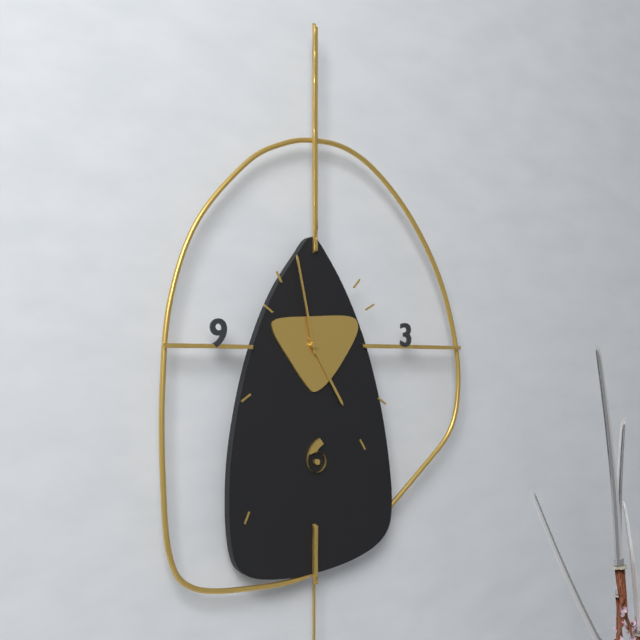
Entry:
**4:58**
